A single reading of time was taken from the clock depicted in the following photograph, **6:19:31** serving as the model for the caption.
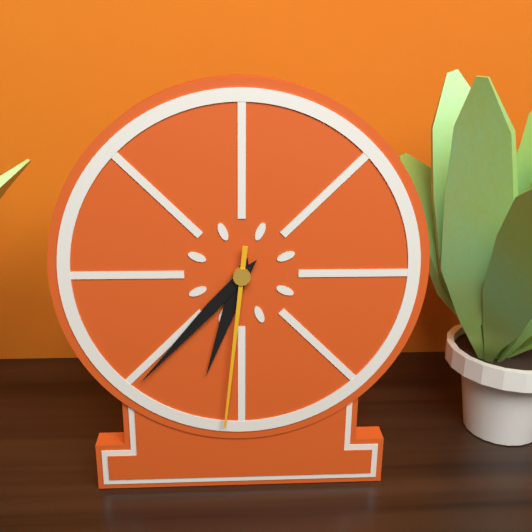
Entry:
**6:37:31**
